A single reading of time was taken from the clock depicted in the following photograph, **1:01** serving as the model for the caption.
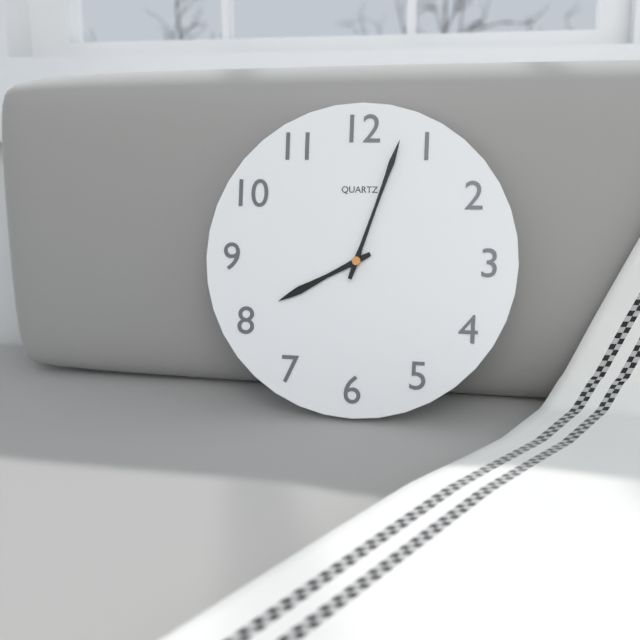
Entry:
**8:03**
